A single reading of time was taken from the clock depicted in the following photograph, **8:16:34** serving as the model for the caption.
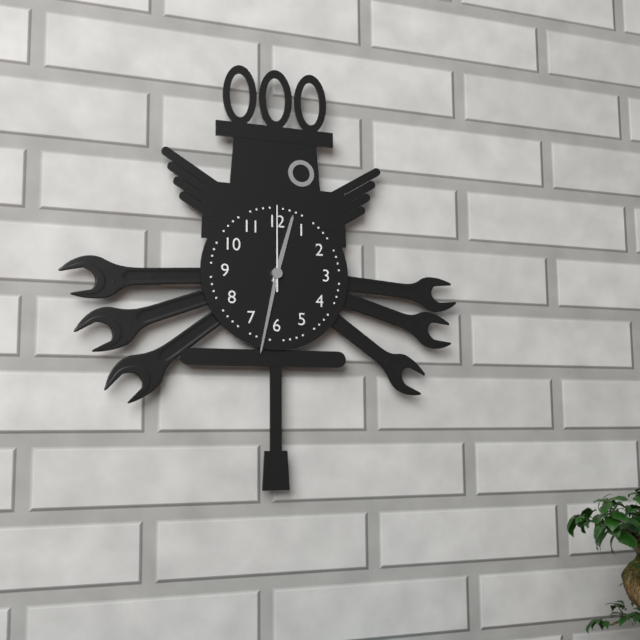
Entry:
**12:32:00**
